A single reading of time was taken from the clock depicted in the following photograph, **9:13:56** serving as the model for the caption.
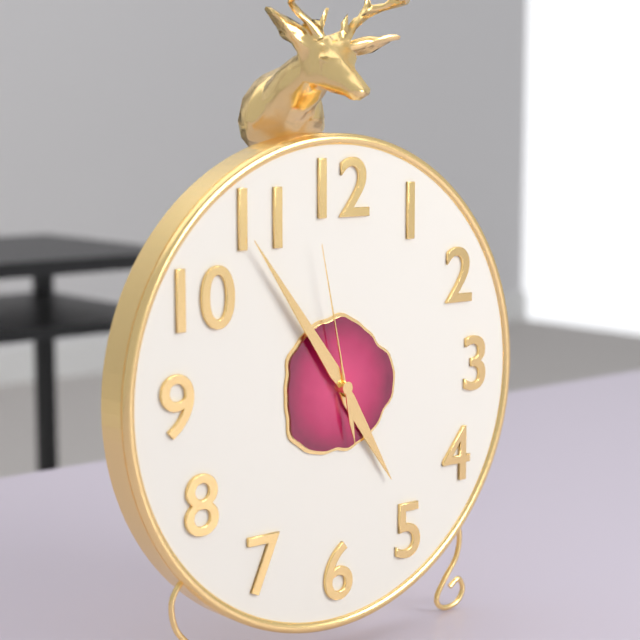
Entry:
**4:54:58**
